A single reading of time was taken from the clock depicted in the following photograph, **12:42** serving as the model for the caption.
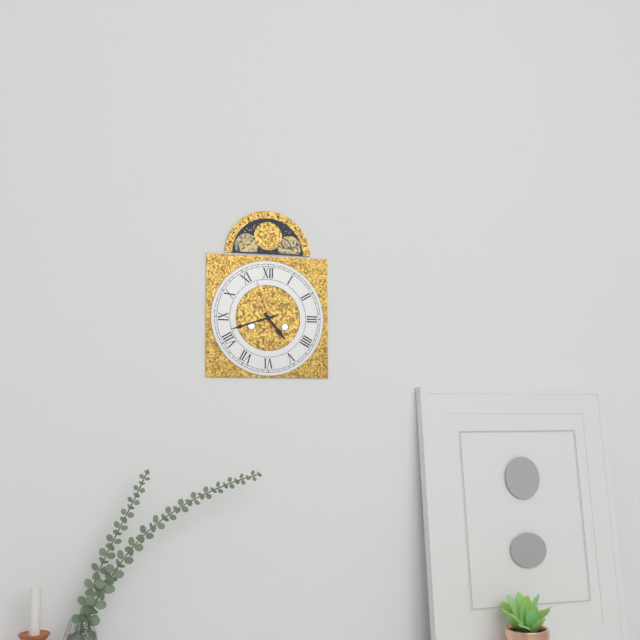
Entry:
**4:42**
